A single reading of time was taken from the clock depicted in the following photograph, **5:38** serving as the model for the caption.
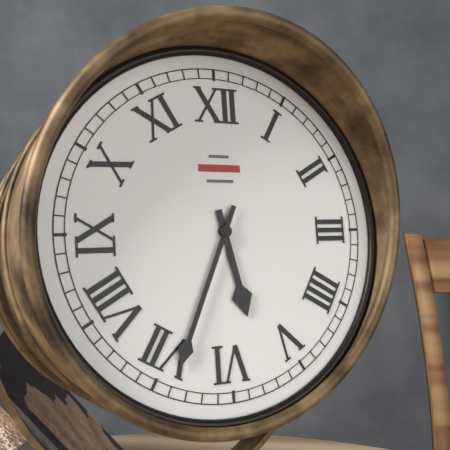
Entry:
**5:34**
